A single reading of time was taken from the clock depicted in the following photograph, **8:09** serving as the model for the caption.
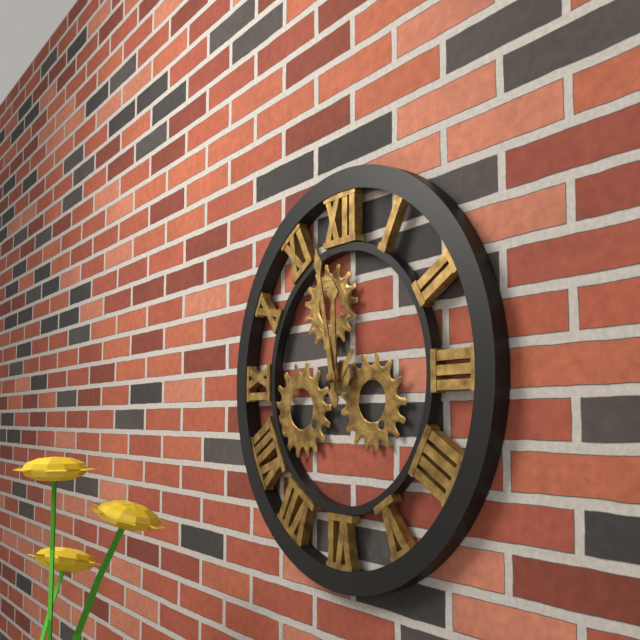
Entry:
**11:58**
